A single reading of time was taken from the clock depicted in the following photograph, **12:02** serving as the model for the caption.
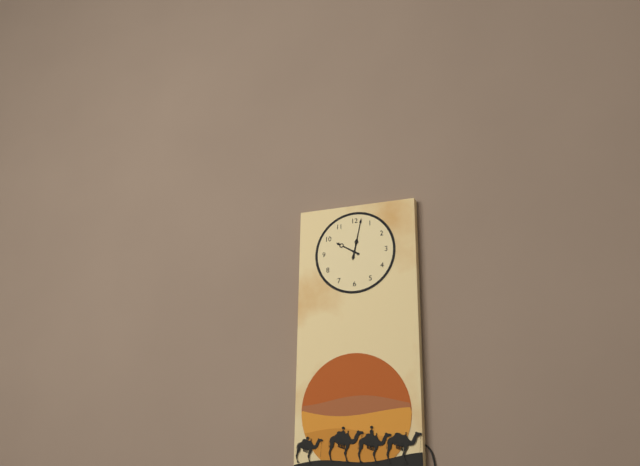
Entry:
**10:02**
